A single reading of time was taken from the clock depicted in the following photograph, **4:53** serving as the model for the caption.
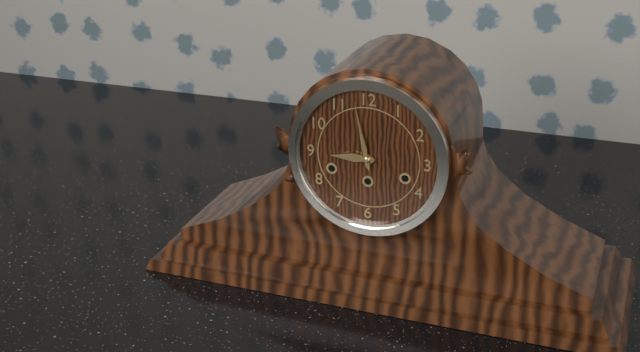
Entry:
**8:58**
